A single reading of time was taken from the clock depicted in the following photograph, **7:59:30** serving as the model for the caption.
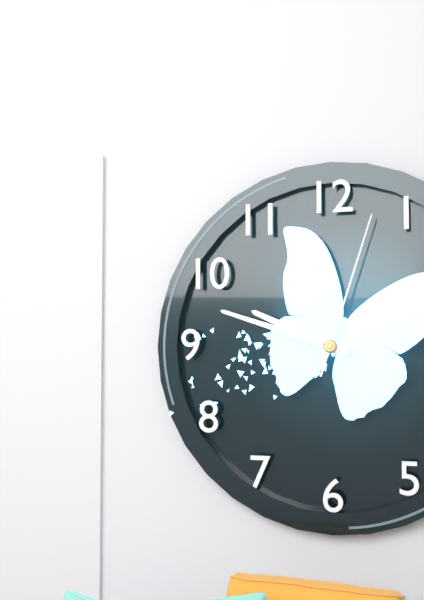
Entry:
**9:48:03**
